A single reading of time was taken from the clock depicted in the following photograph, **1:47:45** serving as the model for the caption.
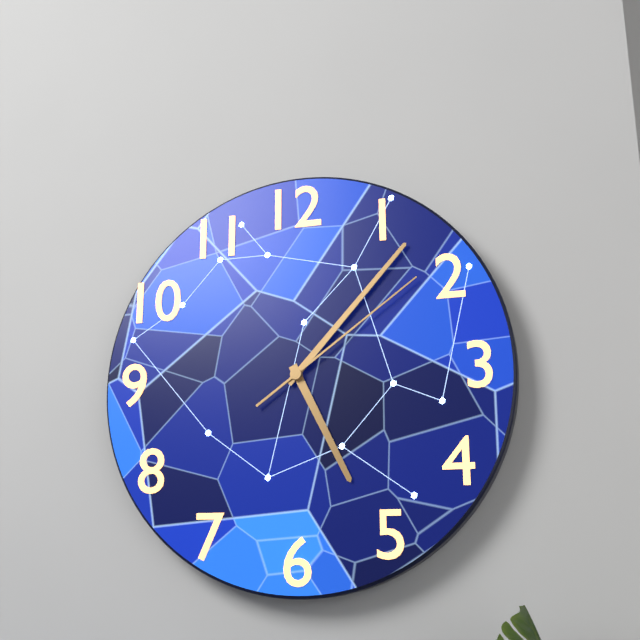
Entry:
**5:07:09**
